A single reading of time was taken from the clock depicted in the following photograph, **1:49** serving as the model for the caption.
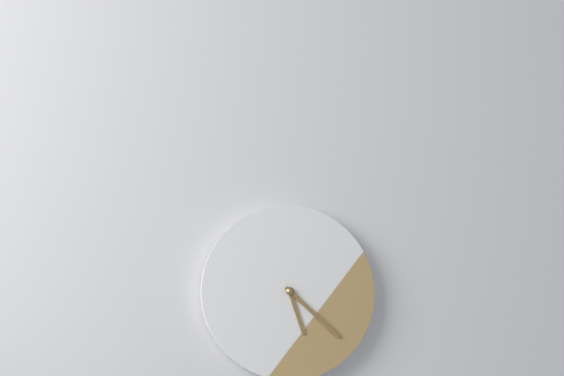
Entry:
**5:22**
